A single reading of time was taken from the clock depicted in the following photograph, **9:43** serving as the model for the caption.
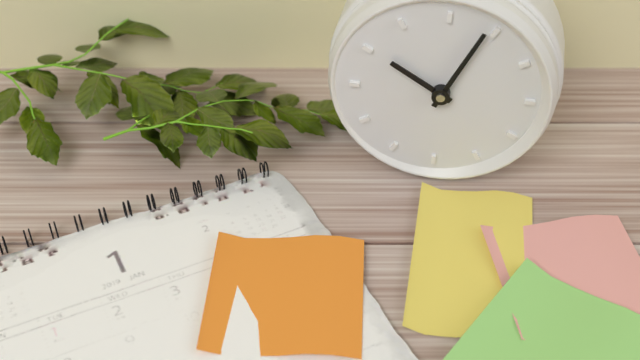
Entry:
**10:04**
